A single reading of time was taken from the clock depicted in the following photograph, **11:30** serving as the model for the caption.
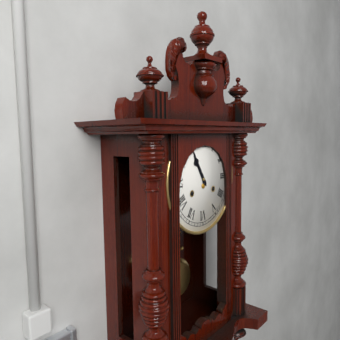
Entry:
**10:55**
